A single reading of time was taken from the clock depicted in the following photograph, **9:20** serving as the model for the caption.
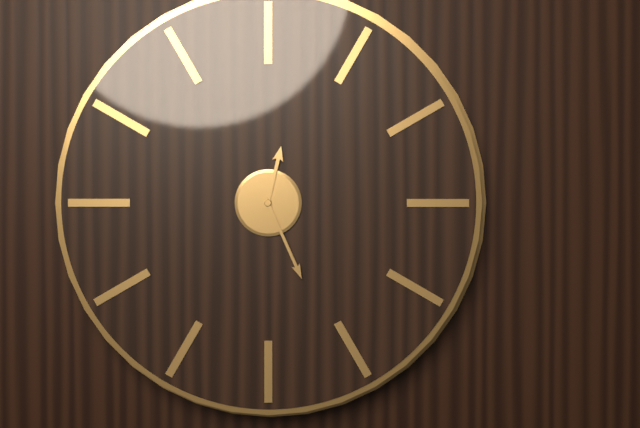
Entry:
**12:26**
